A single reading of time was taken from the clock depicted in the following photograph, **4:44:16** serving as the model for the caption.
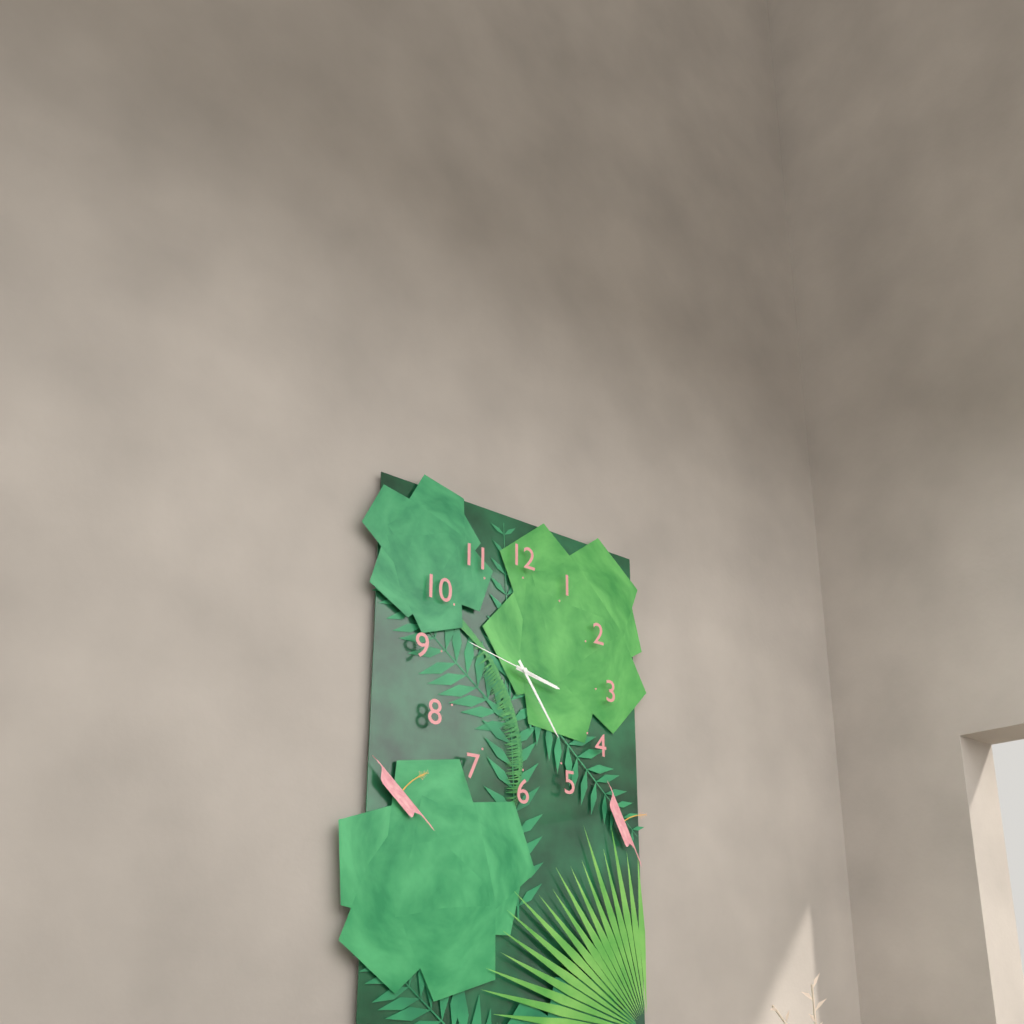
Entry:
**3:24:47**
